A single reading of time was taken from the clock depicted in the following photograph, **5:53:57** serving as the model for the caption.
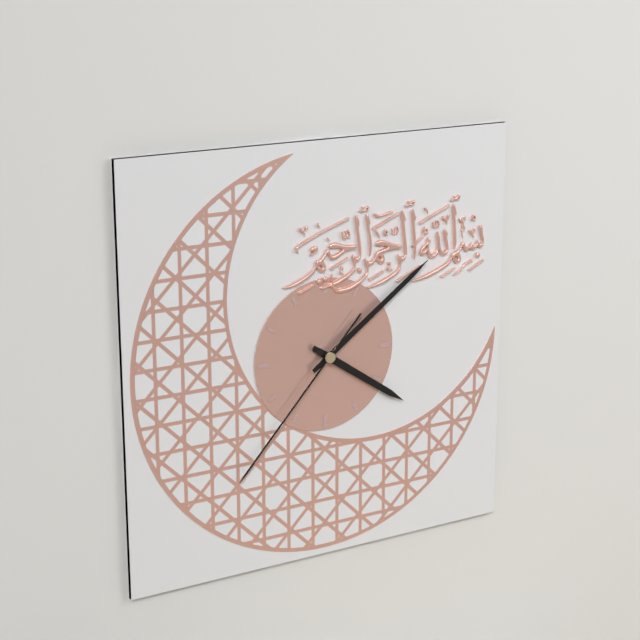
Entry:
**4:09:37**
